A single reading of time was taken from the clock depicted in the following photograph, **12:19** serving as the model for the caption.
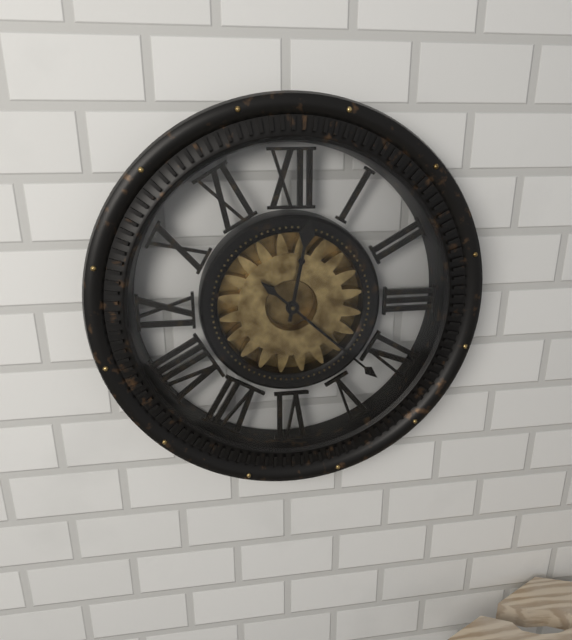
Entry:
**12:22**
